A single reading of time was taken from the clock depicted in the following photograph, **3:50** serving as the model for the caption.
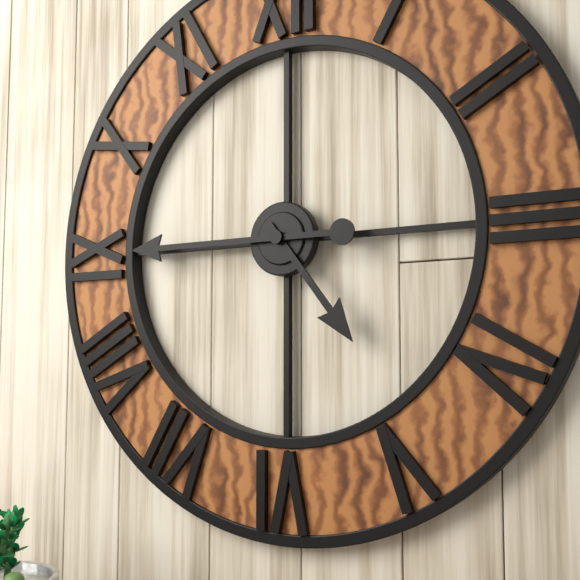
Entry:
**4:45**
